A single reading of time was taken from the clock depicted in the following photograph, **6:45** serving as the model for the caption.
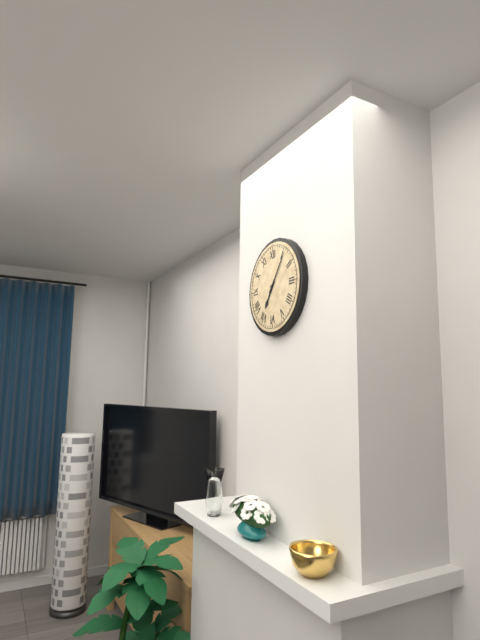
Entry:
**7:06**
